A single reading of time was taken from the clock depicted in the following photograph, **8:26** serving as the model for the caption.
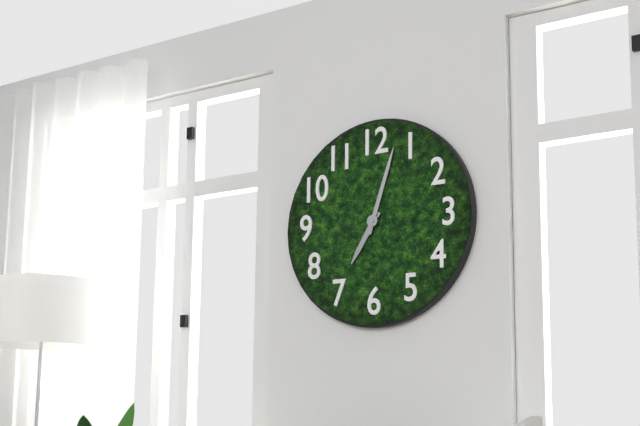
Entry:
**7:03**
